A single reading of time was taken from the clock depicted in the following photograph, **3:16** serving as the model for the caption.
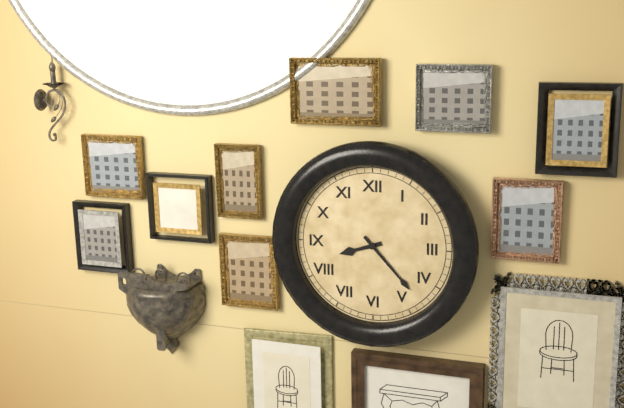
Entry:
**8:23**
